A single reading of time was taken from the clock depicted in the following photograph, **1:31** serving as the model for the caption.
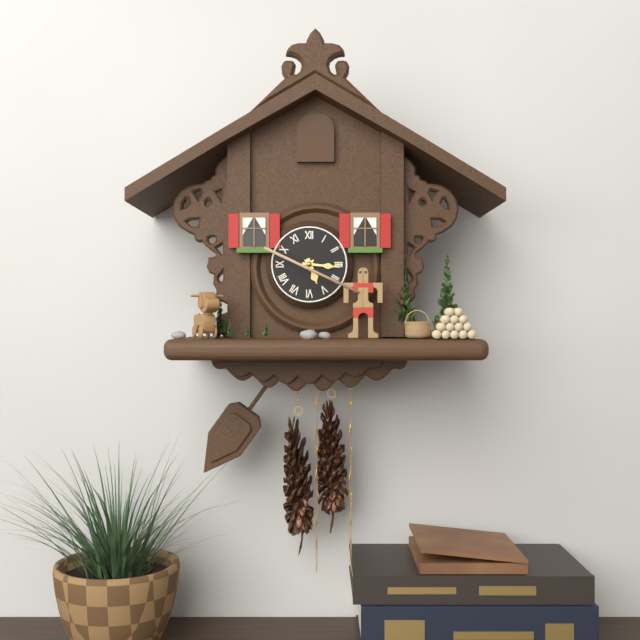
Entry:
**5:16**
